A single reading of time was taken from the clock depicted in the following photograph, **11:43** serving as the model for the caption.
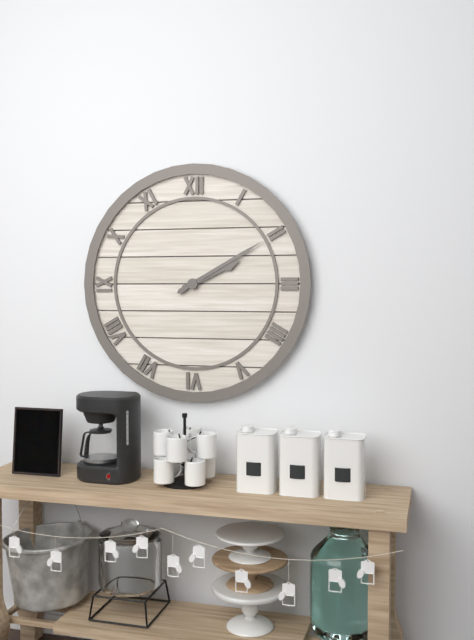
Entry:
**2:10**
